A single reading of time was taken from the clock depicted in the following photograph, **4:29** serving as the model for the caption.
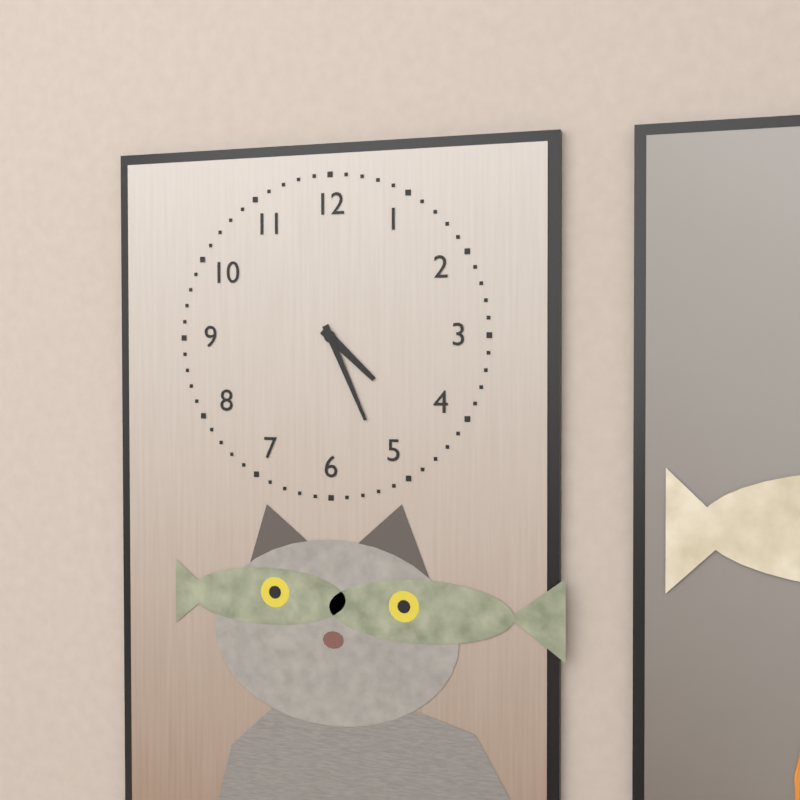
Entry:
**4:26**
